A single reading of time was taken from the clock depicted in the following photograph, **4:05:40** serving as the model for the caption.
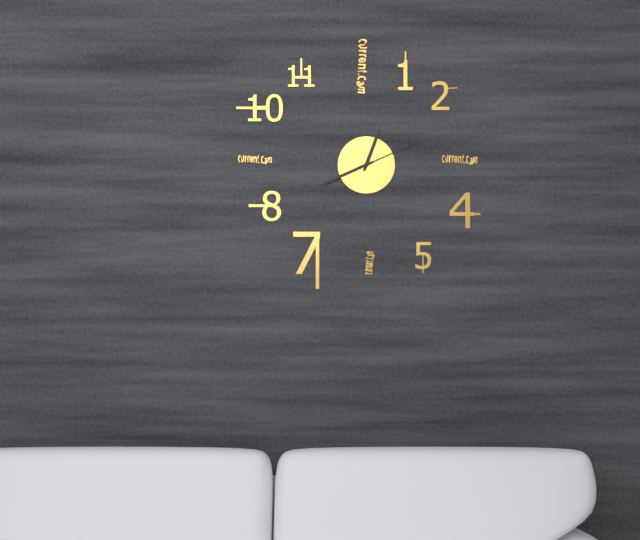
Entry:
**12:41:11**
